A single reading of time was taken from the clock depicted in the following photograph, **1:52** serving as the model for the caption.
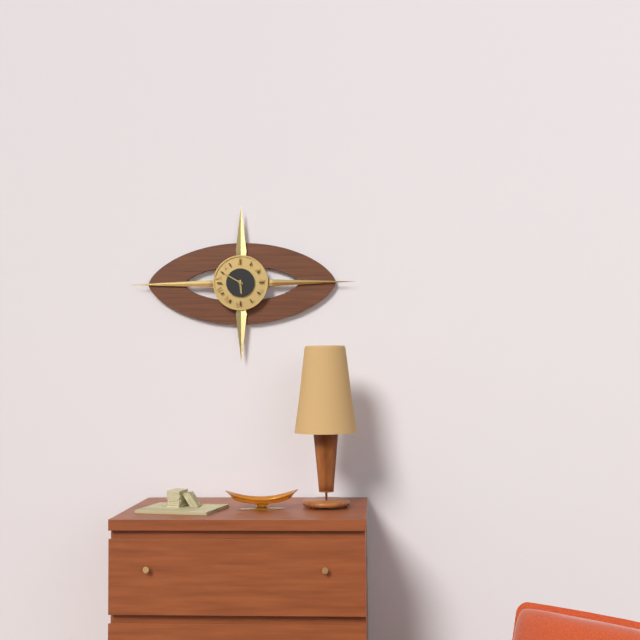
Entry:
**5:50**
